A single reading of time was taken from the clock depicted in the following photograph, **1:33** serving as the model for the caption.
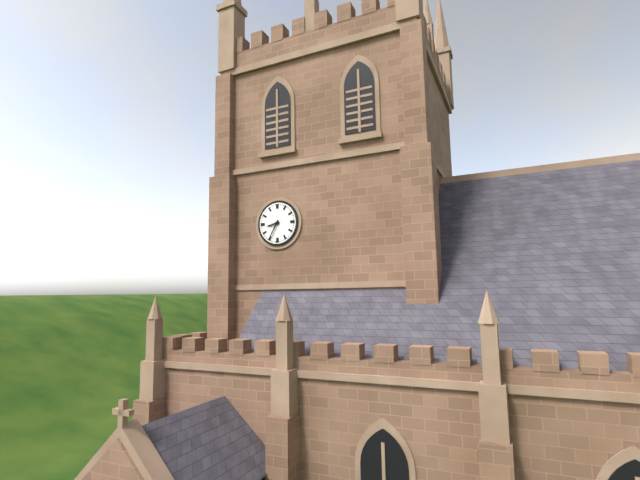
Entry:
**8:35**
